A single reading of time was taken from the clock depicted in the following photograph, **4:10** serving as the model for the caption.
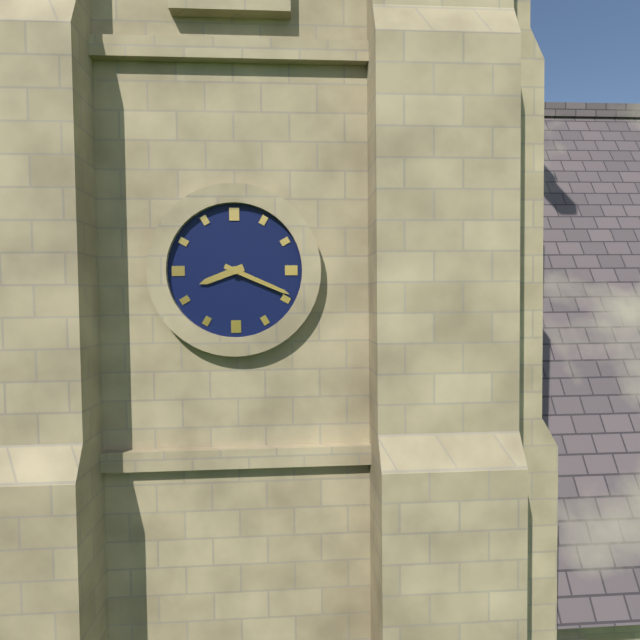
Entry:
**8:19**
